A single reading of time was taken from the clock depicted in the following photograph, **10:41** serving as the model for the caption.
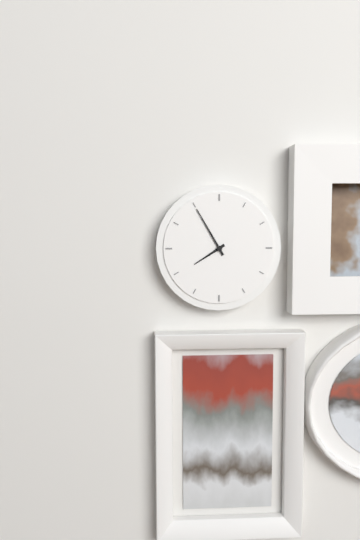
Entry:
**7:55**
